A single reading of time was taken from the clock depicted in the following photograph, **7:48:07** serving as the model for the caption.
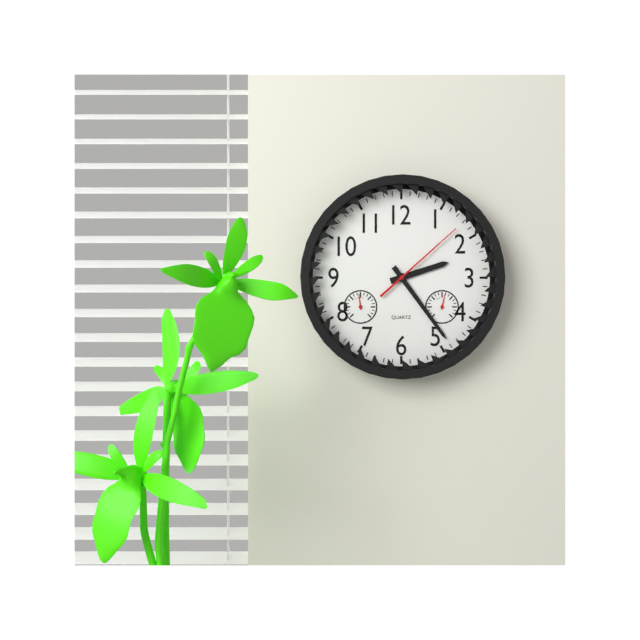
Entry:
**2:24:08**
